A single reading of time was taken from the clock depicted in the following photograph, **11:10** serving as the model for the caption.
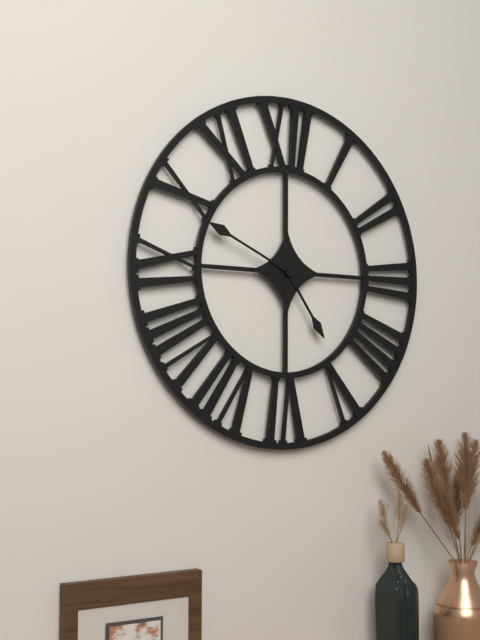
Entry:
**4:49**
